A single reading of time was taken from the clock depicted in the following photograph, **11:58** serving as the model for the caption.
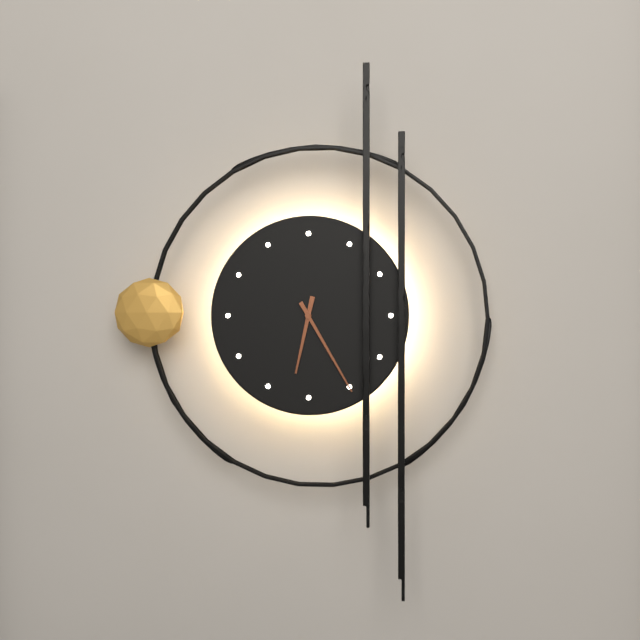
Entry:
**6:25**
